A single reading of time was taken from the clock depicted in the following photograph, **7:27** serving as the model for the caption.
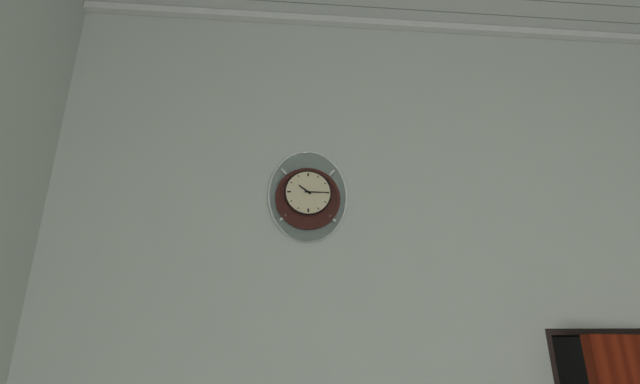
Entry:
**10:15**
